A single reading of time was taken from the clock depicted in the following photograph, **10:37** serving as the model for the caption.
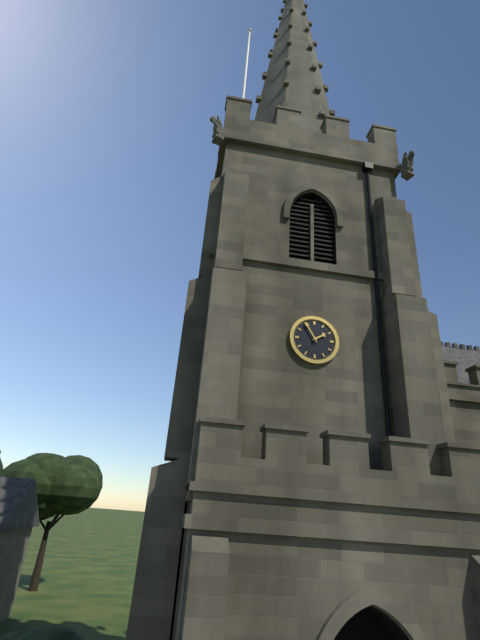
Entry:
**1:55**
